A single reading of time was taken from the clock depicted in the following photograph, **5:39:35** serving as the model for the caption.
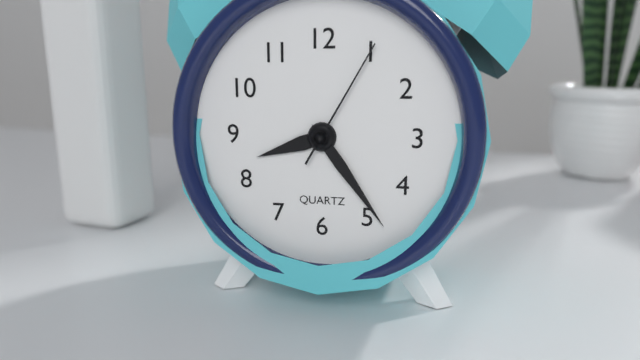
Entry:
**8:24:05**
